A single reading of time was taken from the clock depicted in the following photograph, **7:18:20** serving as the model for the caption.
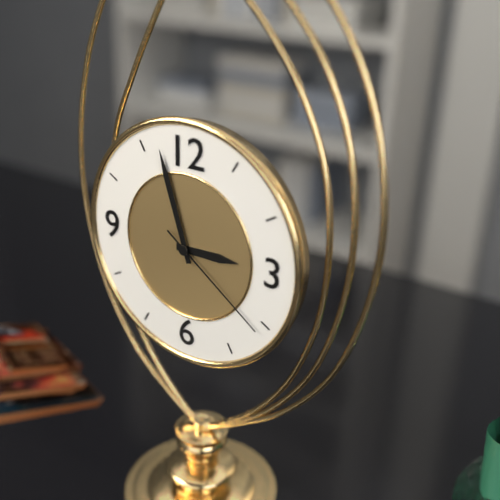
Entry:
**2:57:21**
